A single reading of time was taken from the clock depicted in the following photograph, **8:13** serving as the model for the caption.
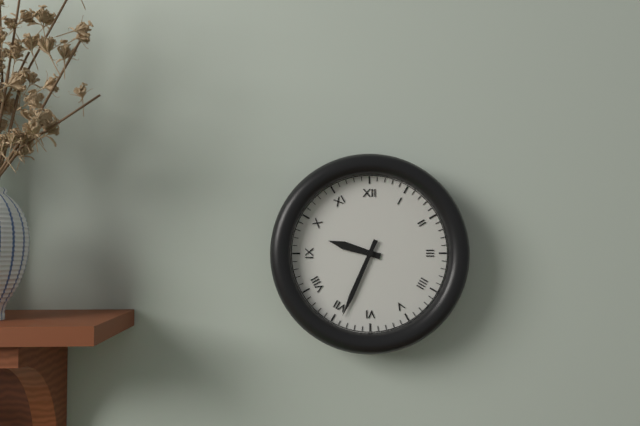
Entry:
**9:34**
